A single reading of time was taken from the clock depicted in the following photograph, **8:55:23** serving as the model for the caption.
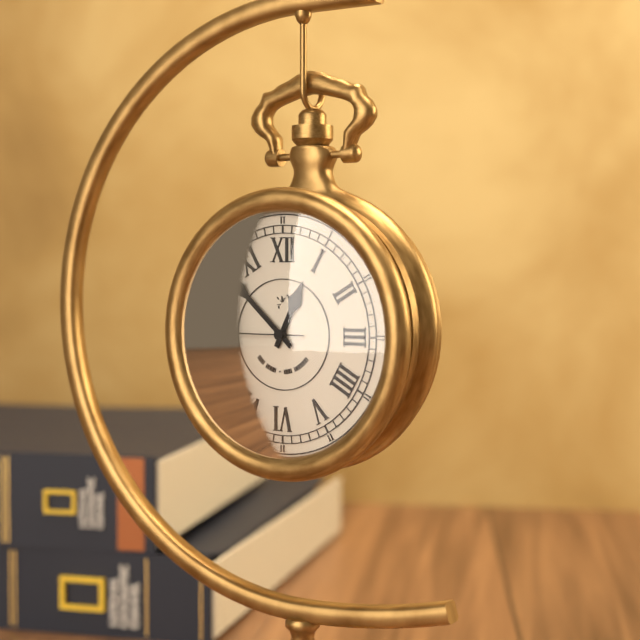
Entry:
**12:52:45**
